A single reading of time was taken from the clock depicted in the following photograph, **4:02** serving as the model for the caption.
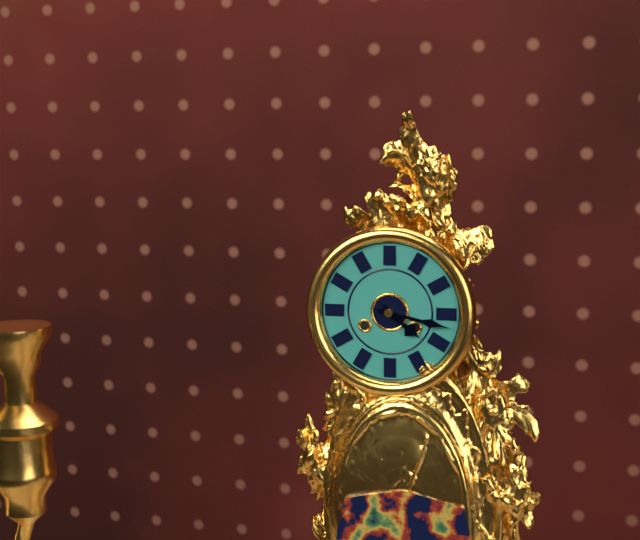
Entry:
**4:17**
